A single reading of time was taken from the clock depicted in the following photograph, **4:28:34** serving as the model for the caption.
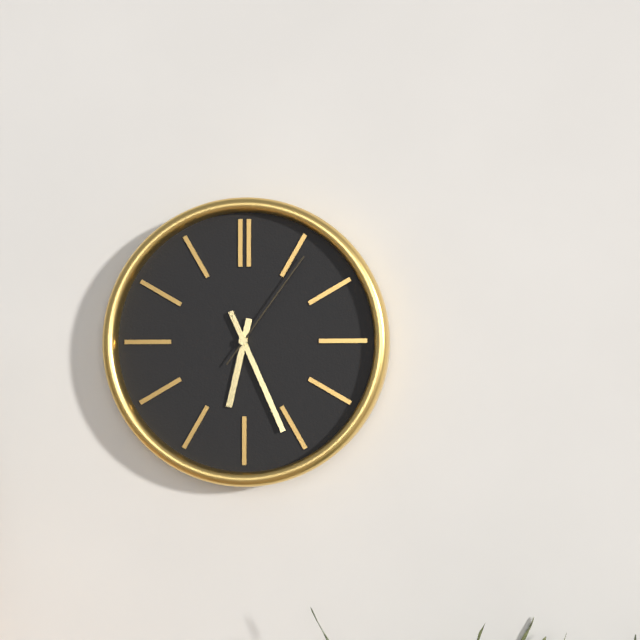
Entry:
**6:26:06**
